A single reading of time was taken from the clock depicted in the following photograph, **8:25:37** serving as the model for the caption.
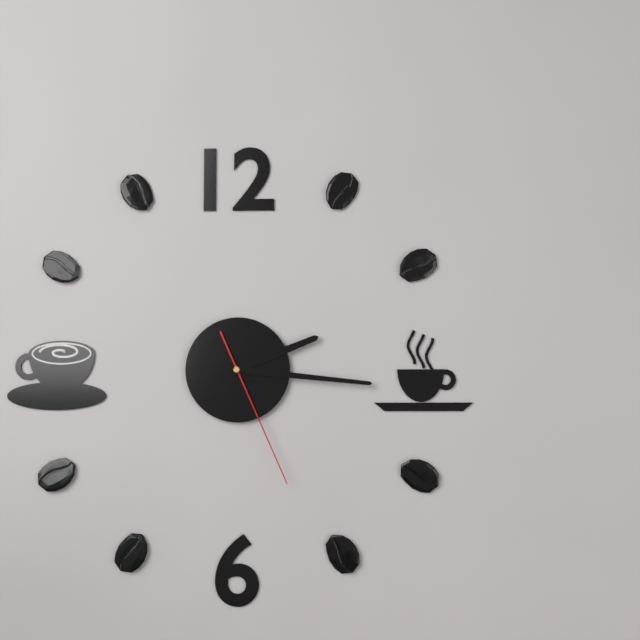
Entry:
**2:16:26**
